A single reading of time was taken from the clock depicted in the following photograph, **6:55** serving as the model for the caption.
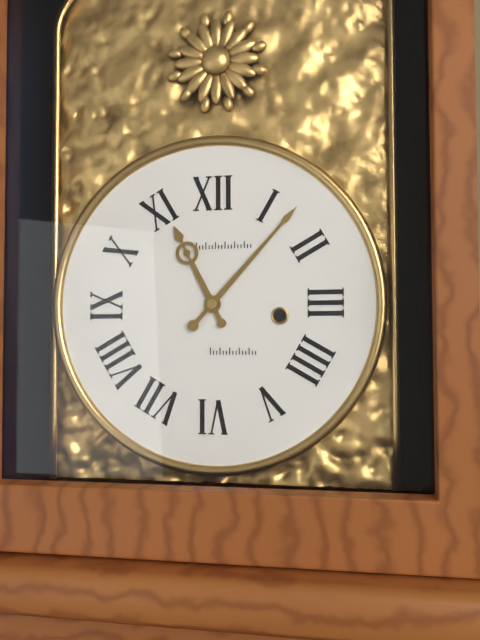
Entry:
**11:07**
